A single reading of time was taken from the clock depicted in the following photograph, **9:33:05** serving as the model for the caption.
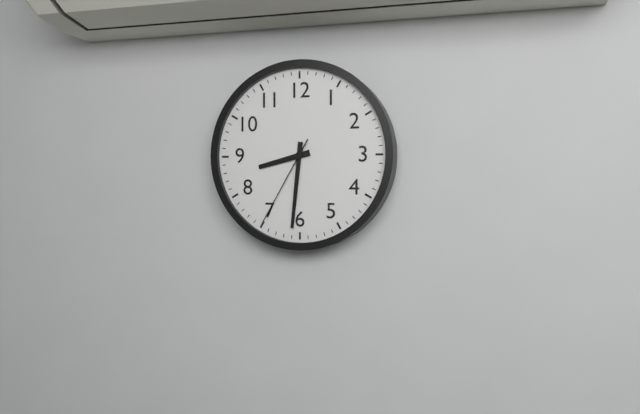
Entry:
**8:31:35**
